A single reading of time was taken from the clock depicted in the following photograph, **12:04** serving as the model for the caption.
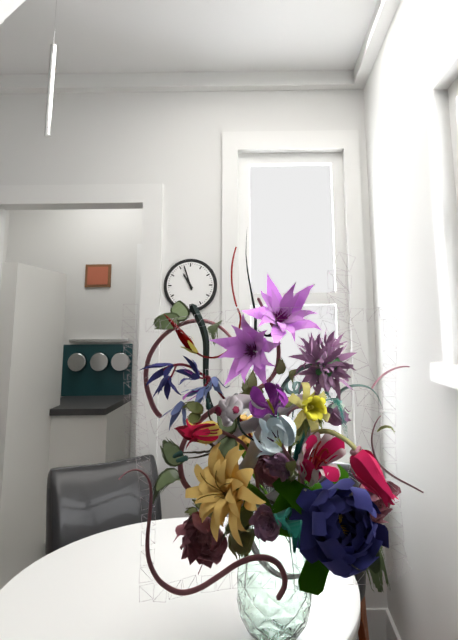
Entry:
**10:57**
